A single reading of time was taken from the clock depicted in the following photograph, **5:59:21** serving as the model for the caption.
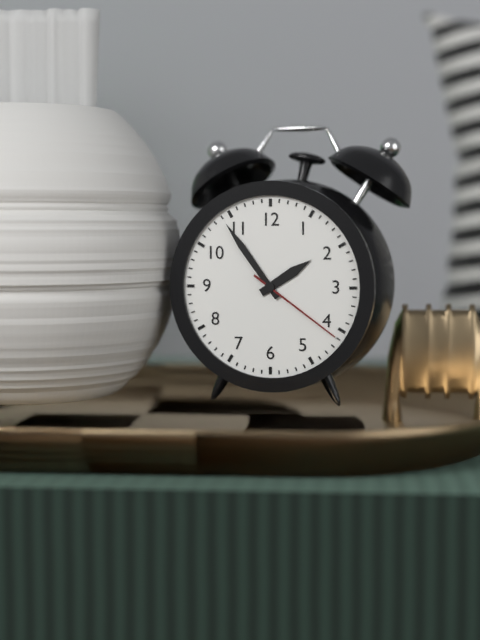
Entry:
**1:54:21**
